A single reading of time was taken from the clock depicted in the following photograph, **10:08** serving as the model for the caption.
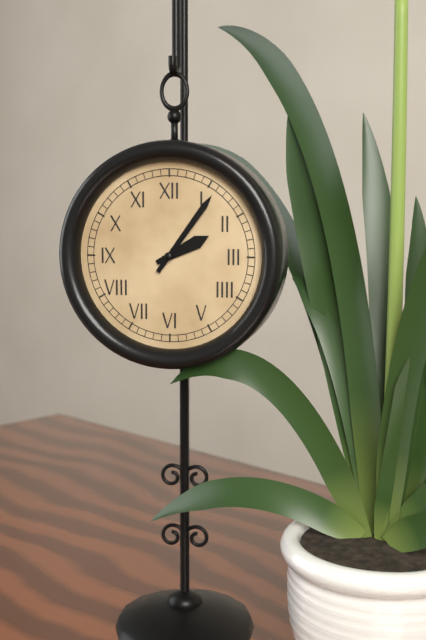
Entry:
**2:06**
